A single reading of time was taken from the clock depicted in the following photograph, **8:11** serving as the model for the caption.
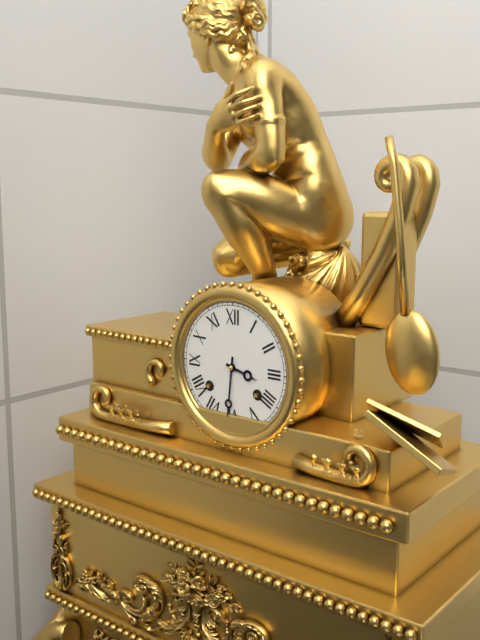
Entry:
**3:31**
